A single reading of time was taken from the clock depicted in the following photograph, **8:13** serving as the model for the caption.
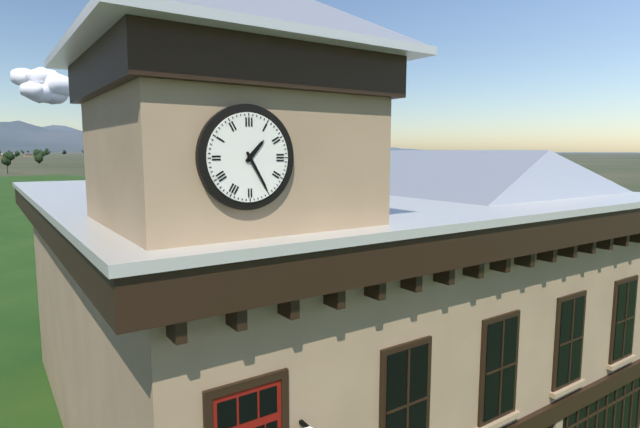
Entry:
**1:25**
